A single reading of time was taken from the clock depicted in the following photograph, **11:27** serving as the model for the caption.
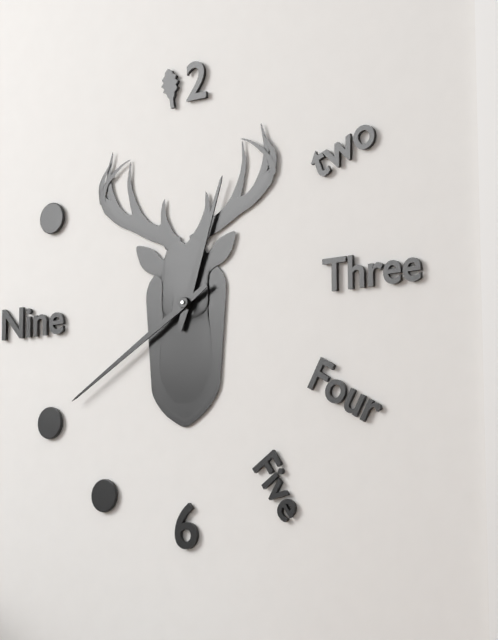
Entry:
**12:40**
